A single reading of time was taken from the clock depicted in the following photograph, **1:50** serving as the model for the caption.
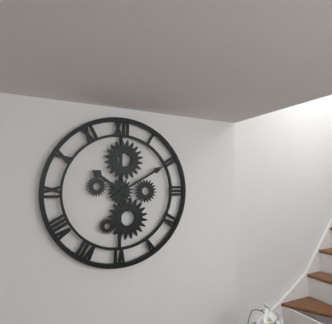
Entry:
**10:10**
